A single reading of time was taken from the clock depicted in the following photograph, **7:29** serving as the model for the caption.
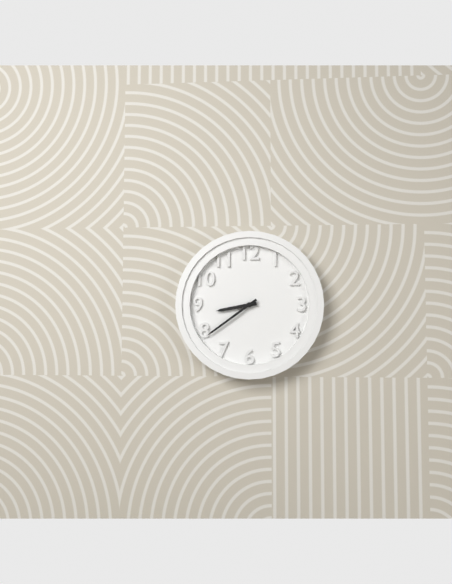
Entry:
**8:39**
